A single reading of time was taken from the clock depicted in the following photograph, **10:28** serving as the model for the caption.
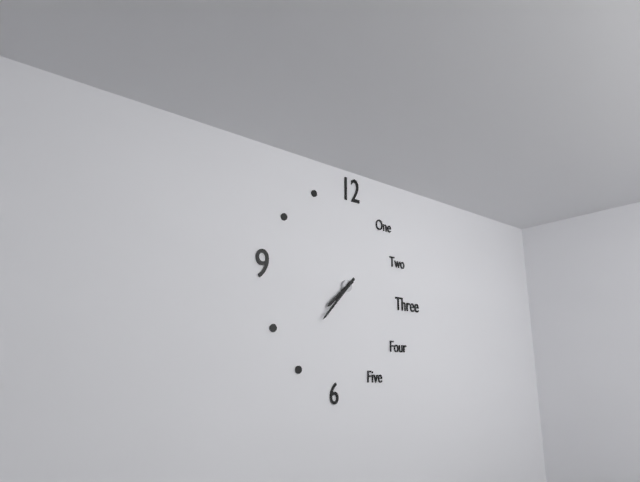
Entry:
**7:37**
